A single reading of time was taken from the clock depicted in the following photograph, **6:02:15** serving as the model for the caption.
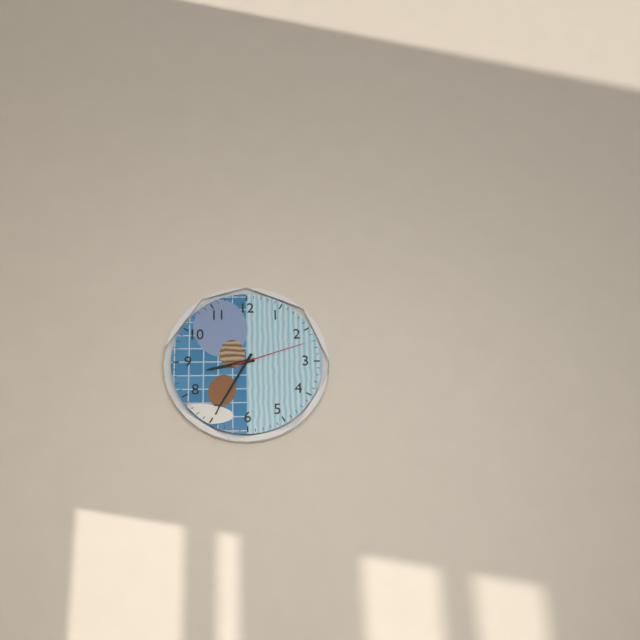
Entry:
**8:35:12**
